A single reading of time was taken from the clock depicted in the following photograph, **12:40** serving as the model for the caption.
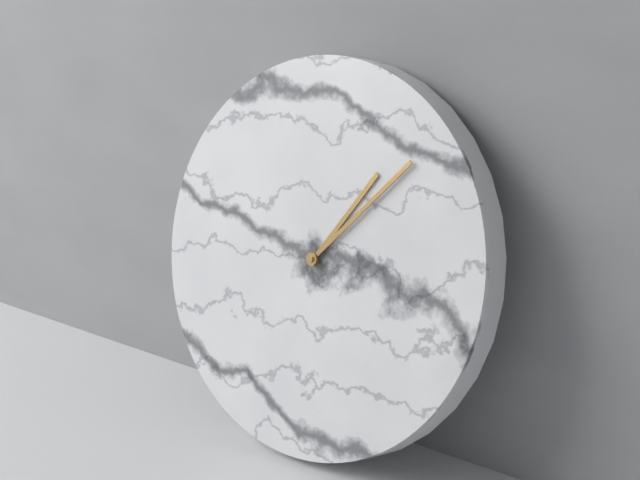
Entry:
**1:07**
